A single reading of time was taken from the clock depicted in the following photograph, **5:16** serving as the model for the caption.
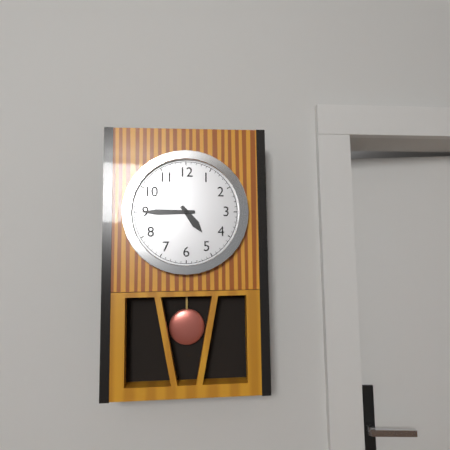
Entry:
**4:45**
